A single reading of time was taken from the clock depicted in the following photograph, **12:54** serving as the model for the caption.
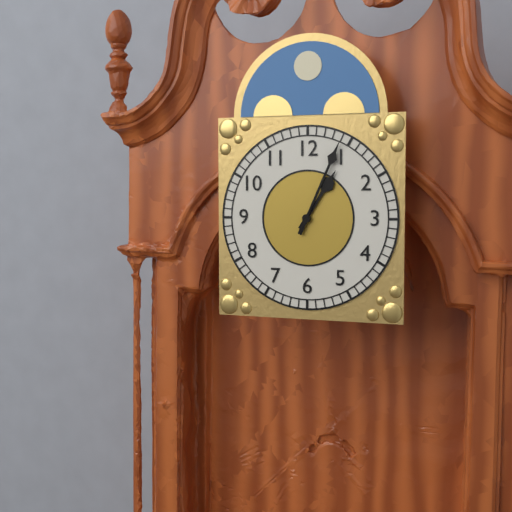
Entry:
**1:04**
